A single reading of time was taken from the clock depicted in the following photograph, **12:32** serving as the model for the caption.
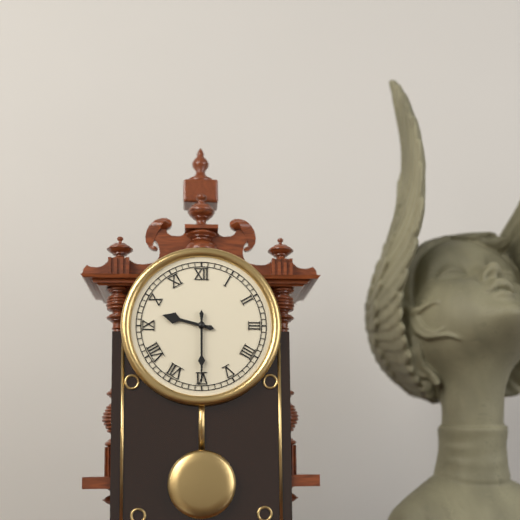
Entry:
**9:30**
